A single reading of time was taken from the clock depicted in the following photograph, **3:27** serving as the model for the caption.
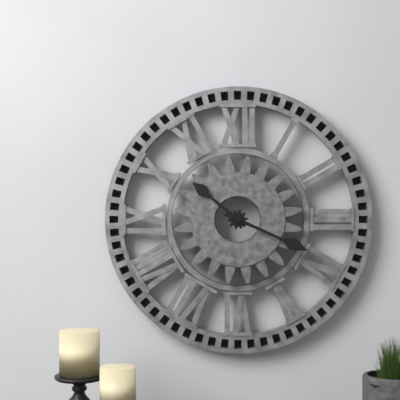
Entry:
**10:19**
